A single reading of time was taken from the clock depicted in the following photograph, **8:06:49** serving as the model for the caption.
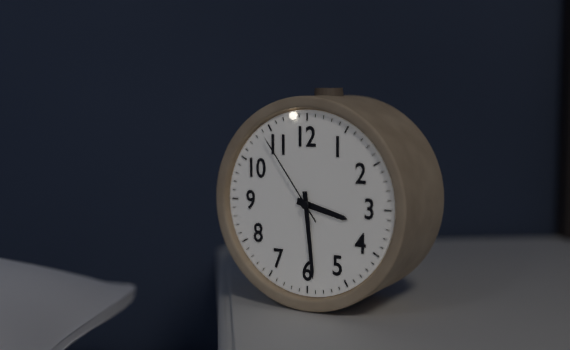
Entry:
**3:29:54**
